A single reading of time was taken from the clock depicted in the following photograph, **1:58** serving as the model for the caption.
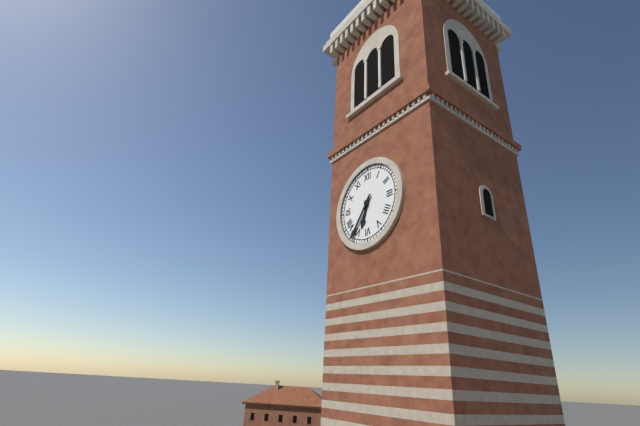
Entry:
**6:36**
